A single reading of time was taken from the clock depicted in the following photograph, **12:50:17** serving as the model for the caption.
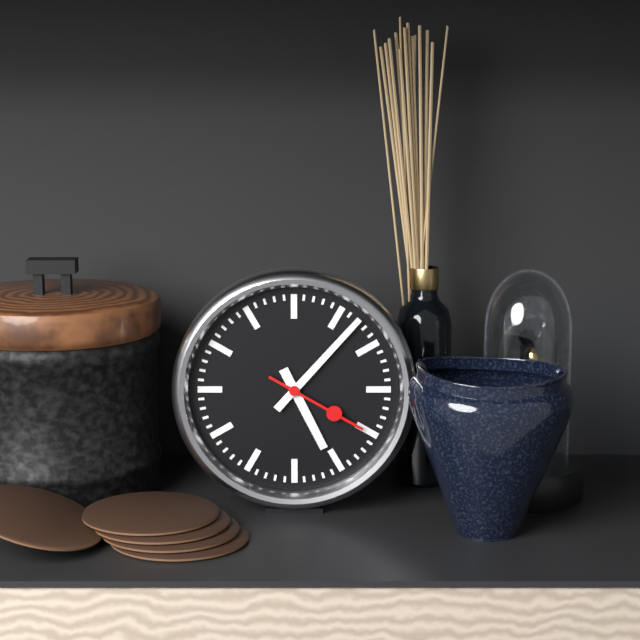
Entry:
**5:07:20**
